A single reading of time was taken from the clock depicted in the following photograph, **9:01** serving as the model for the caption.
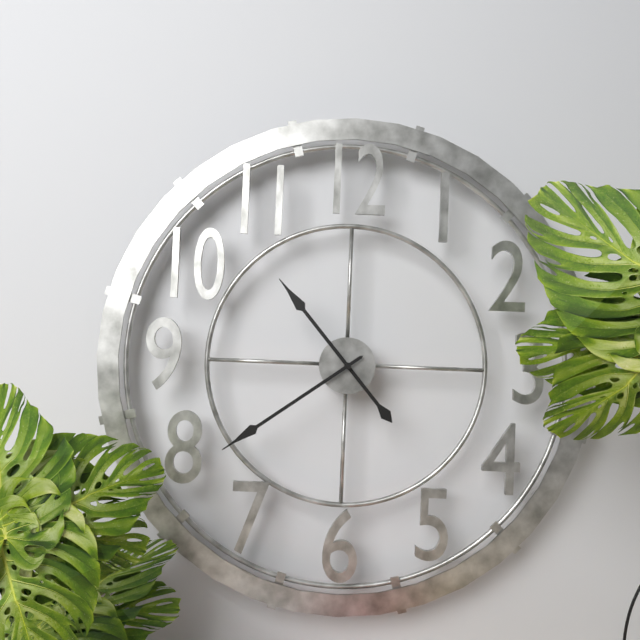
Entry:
**10:39**
